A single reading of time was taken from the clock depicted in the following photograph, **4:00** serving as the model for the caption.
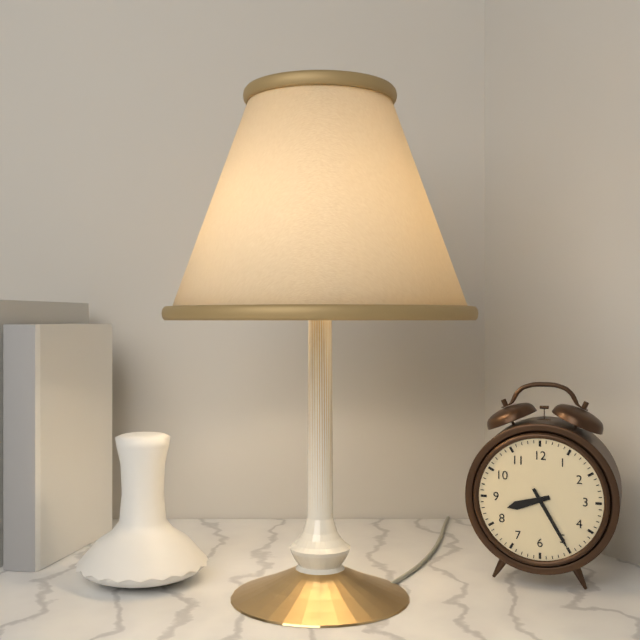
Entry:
**8:25**
